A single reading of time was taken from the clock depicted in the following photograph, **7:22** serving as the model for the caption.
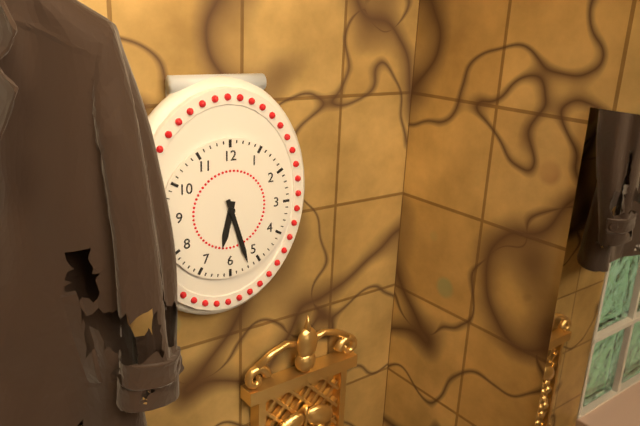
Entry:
**6:27**
